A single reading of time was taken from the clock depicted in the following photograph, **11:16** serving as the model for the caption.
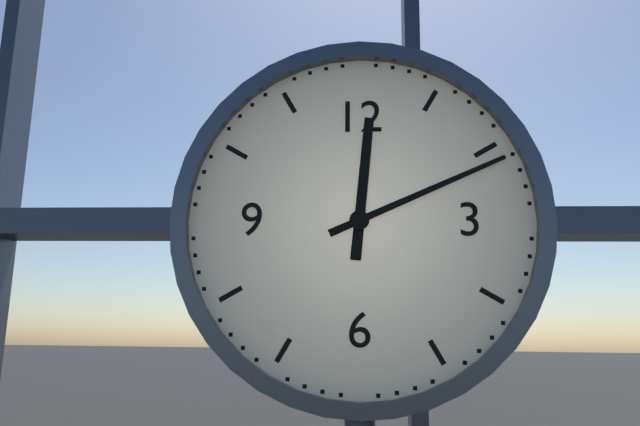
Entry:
**12:11**
